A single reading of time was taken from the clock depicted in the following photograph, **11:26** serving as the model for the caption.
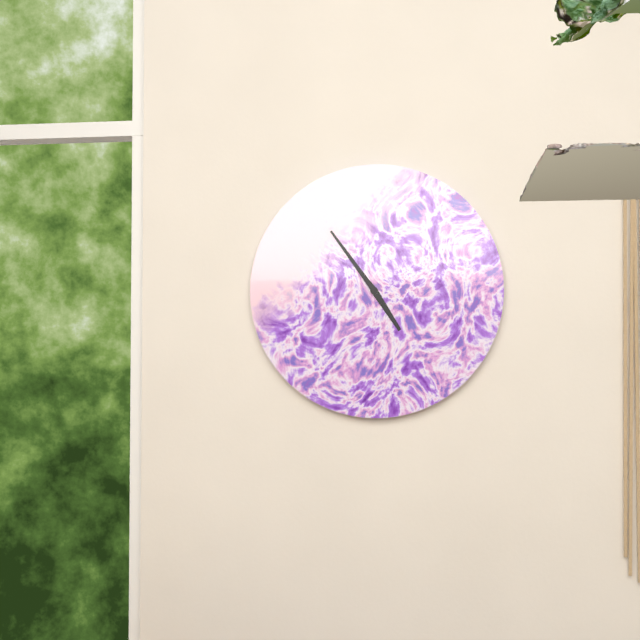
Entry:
**4:54**
